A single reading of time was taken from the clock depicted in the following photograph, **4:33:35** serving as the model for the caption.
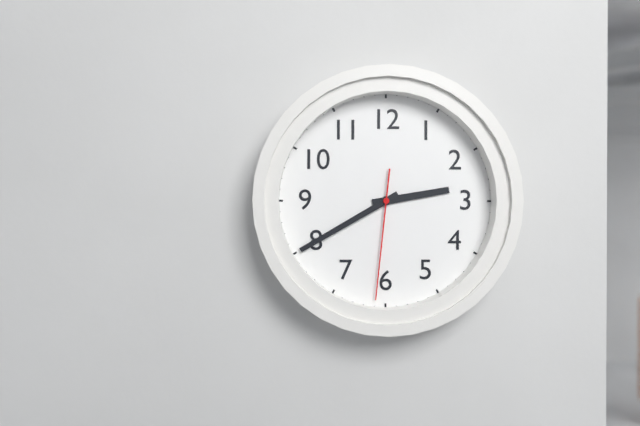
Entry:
**2:40:31**
